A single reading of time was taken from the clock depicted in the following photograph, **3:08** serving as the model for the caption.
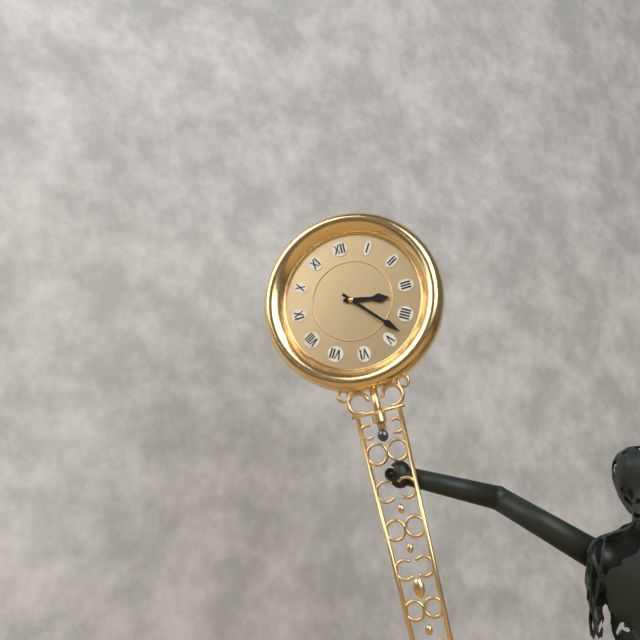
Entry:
**3:23**
